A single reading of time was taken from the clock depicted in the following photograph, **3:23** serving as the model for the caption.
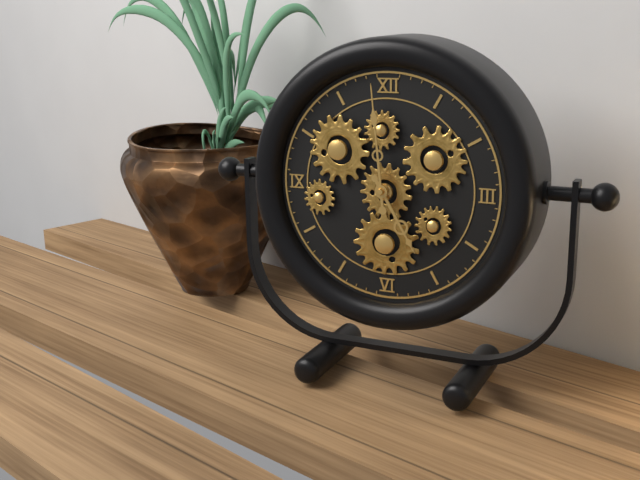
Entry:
**4:59**
